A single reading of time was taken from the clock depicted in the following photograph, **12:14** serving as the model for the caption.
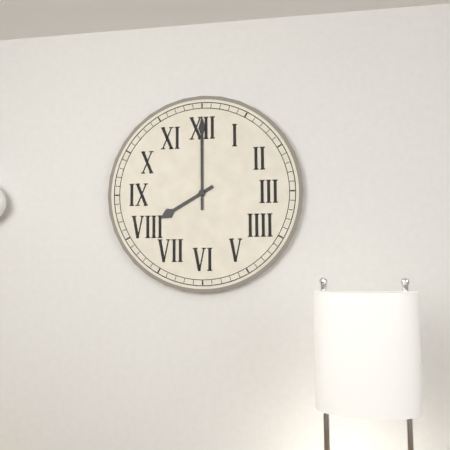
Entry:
**8:00**
